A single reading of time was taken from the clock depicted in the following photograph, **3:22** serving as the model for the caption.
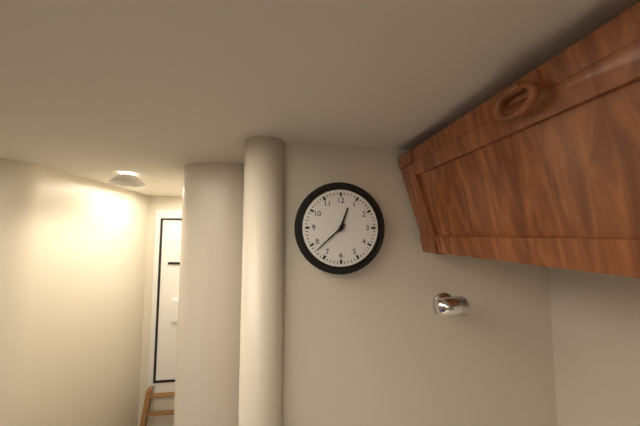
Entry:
**12:38**
